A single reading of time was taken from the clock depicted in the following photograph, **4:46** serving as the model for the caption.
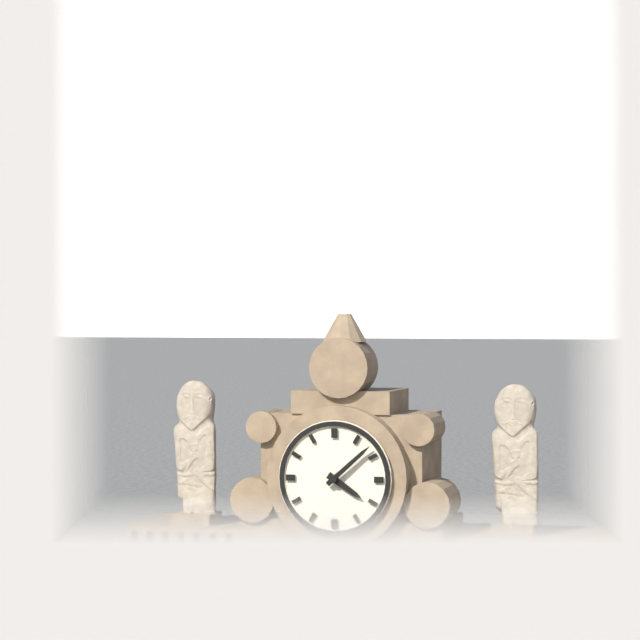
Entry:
**4:08**
